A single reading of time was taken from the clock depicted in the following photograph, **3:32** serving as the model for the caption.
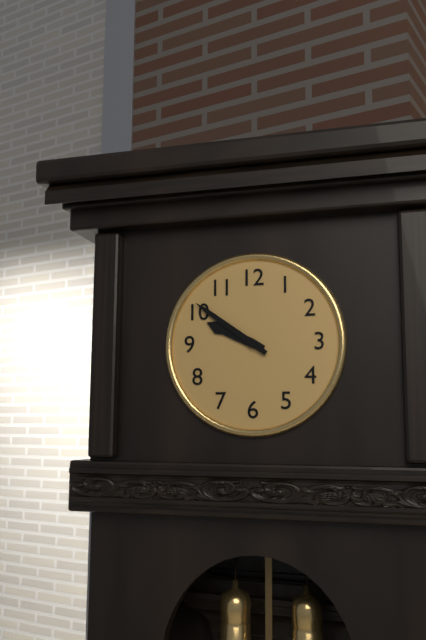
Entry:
**9:51**
